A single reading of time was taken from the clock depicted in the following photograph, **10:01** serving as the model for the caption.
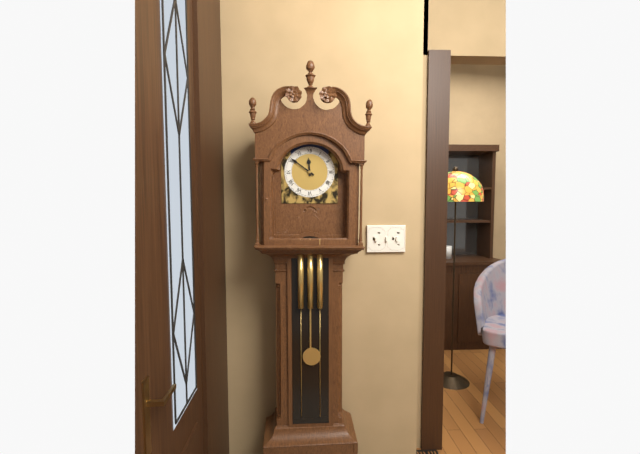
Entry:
**11:51**
